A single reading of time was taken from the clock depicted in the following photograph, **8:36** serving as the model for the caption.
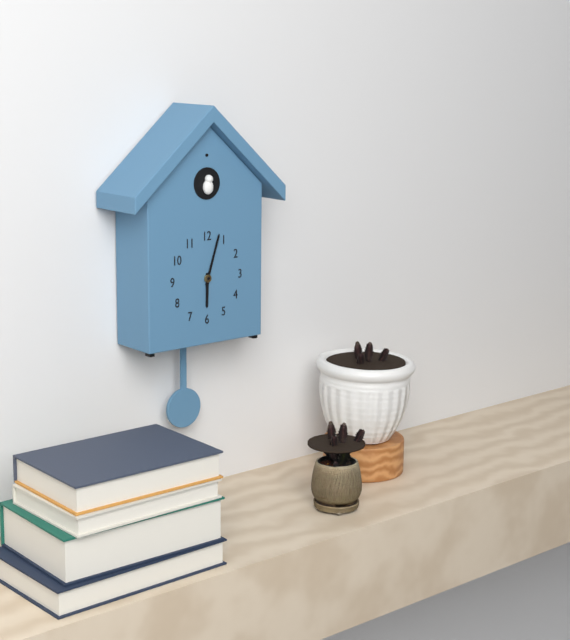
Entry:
**6:03**
